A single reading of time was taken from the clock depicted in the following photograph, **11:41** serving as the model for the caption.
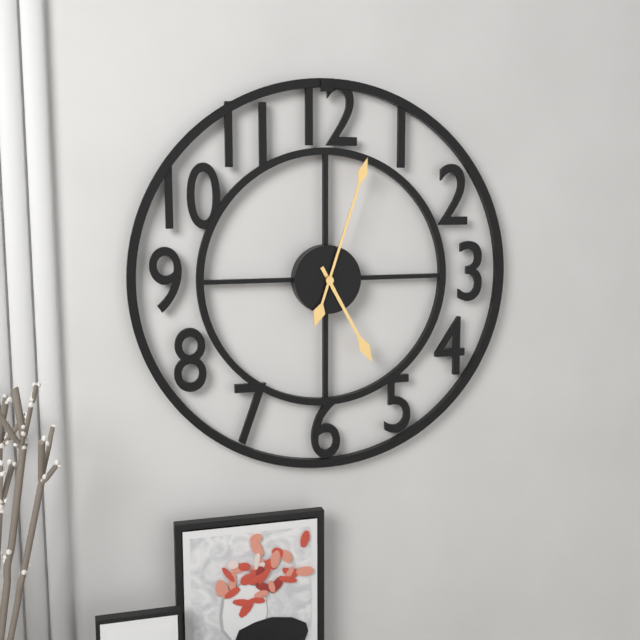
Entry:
**5:03**
